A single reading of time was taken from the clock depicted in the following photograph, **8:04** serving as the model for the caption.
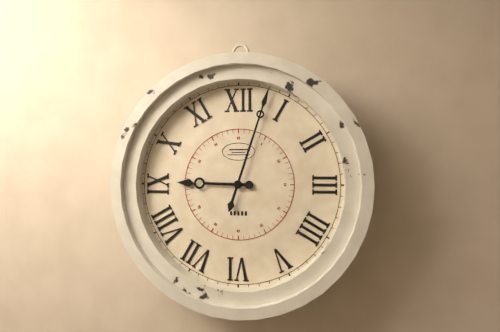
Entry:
**9:03**
